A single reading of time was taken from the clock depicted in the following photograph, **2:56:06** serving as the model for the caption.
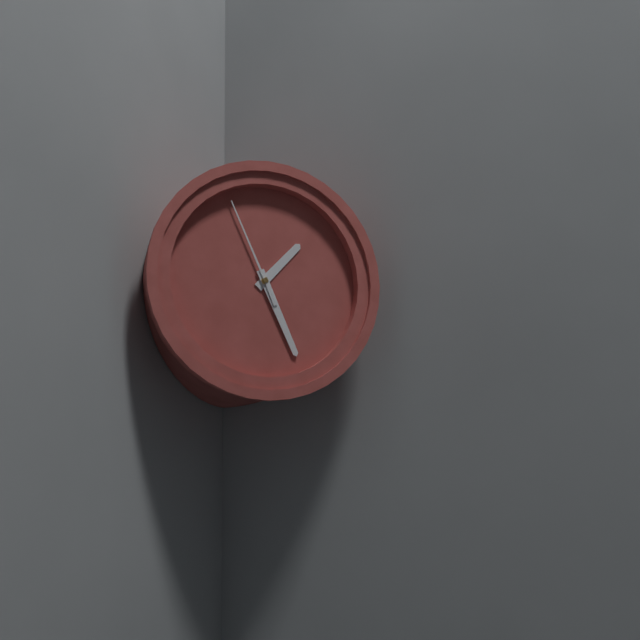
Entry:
**1:26:56**
